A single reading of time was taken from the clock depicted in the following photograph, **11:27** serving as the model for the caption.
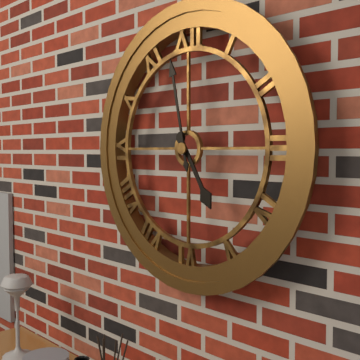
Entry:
**4:58**
